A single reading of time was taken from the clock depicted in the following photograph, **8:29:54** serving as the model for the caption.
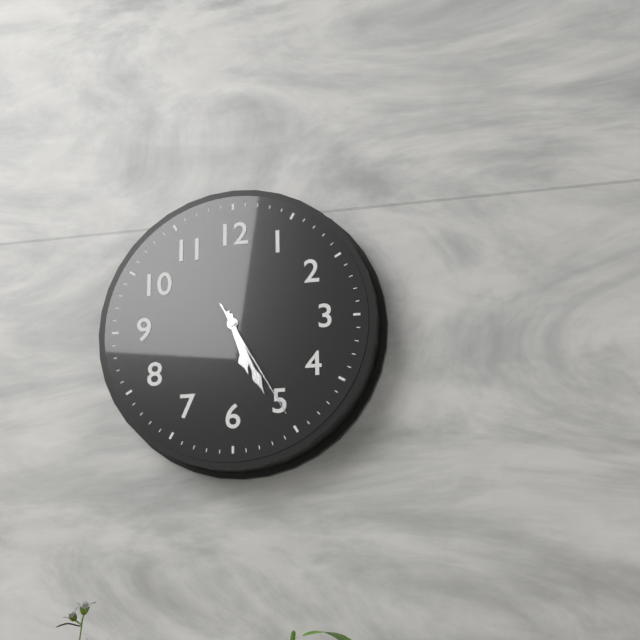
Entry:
**5:26:25**
